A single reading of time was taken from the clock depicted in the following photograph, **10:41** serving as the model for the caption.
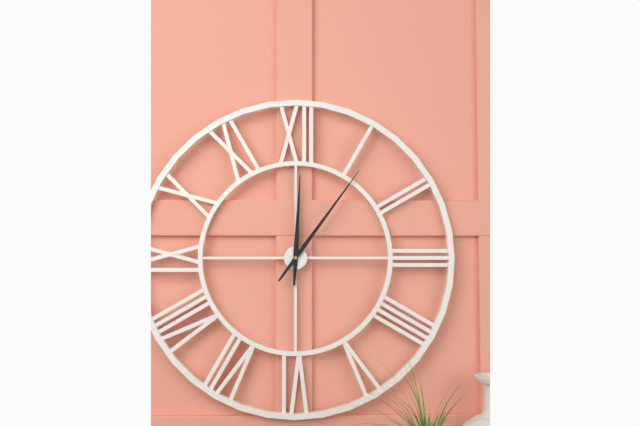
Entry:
**12:06**
